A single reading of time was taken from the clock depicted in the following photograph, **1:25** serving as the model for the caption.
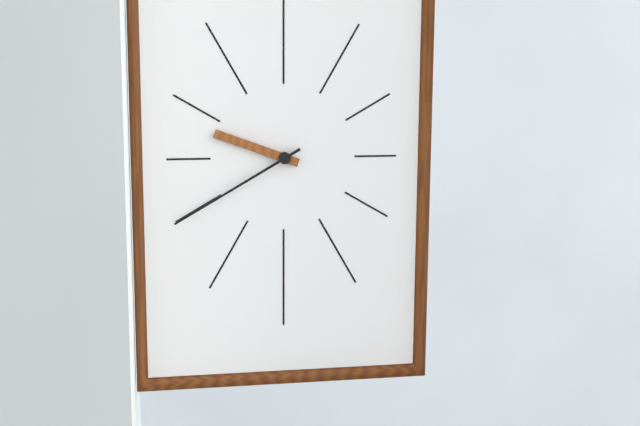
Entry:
**9:40**
